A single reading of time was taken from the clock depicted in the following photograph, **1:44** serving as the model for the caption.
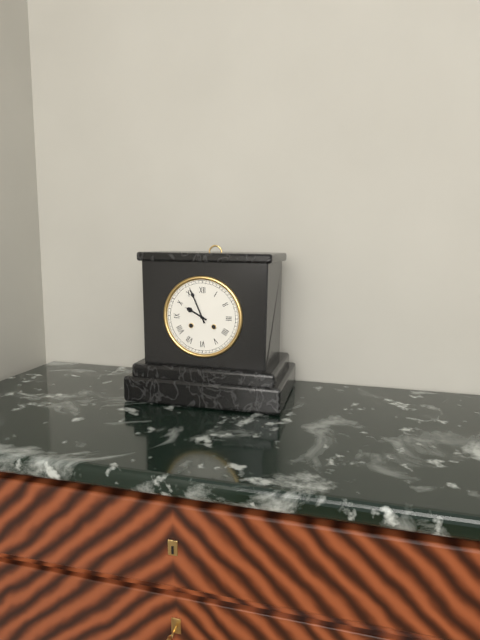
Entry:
**9:56**
